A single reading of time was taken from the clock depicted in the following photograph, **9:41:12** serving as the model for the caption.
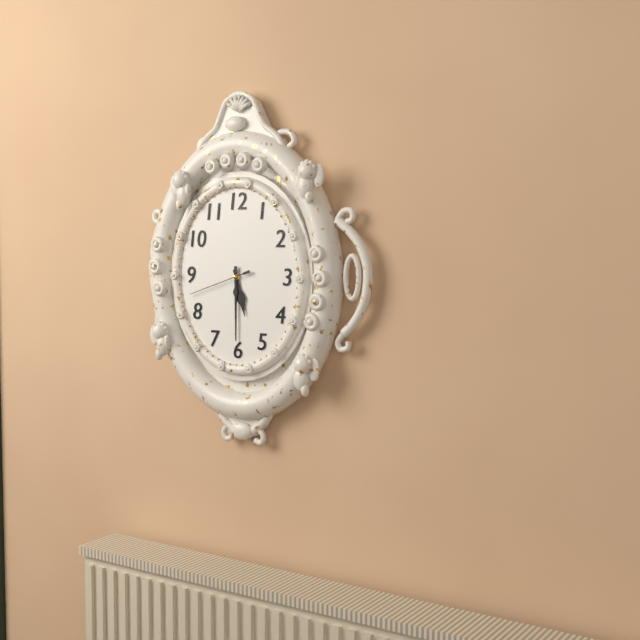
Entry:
**5:30:42**
